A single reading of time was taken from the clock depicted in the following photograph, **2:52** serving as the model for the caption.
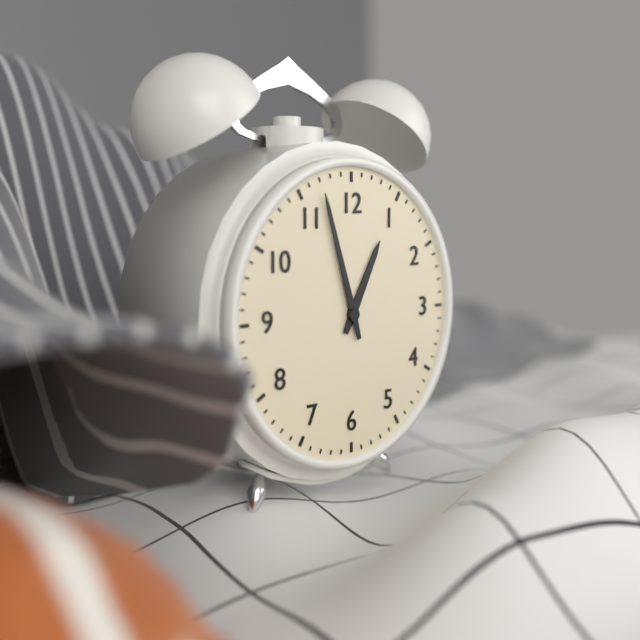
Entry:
**12:57**
